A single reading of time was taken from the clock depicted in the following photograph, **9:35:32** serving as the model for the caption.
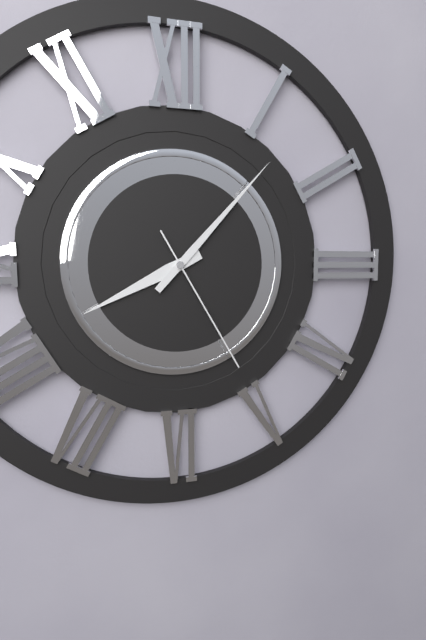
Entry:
**8:07:25**
